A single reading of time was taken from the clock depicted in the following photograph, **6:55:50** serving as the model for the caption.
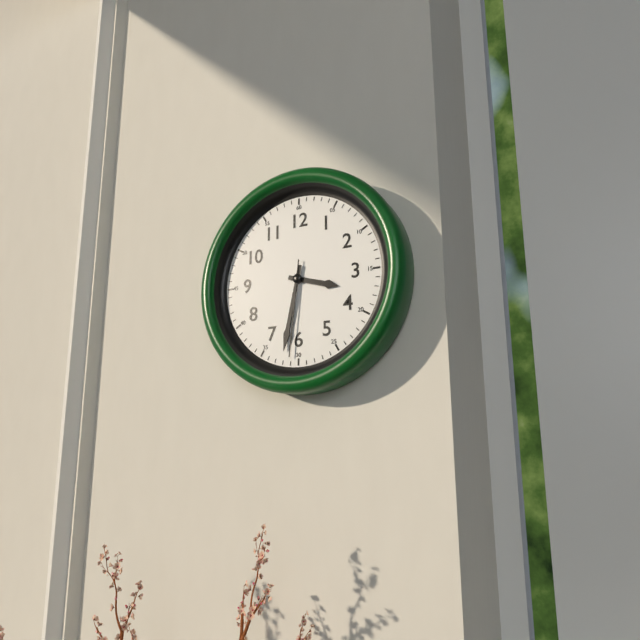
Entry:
**3:32:31**
